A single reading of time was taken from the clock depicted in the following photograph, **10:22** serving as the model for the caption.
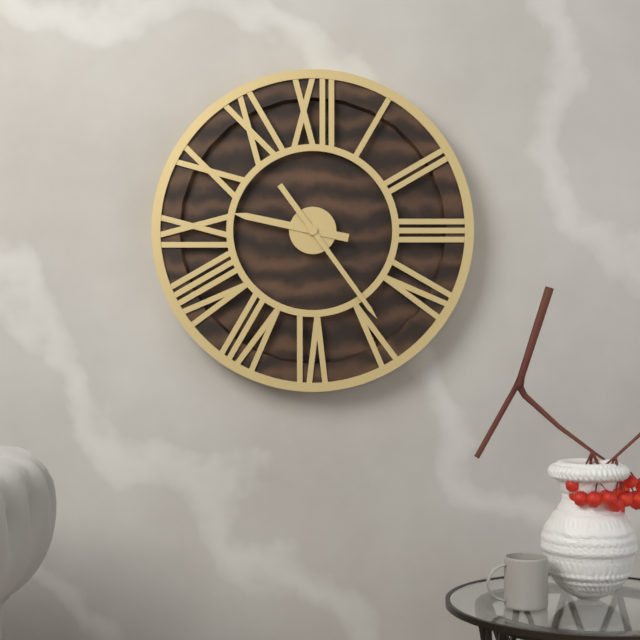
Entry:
**9:24**
